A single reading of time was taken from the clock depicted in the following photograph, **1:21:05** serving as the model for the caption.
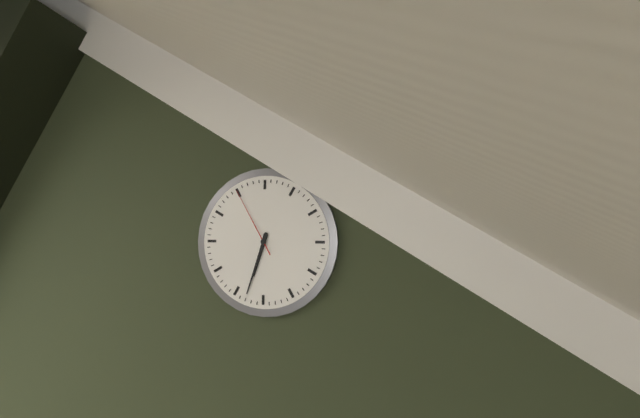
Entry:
**6:33:55**
